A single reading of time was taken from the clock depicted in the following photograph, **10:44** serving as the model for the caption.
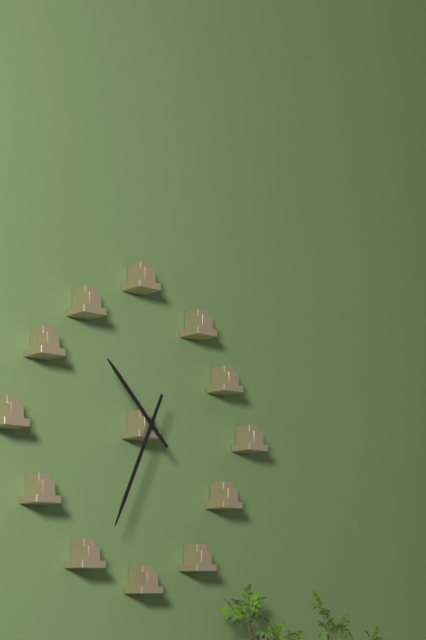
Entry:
**10:34**
